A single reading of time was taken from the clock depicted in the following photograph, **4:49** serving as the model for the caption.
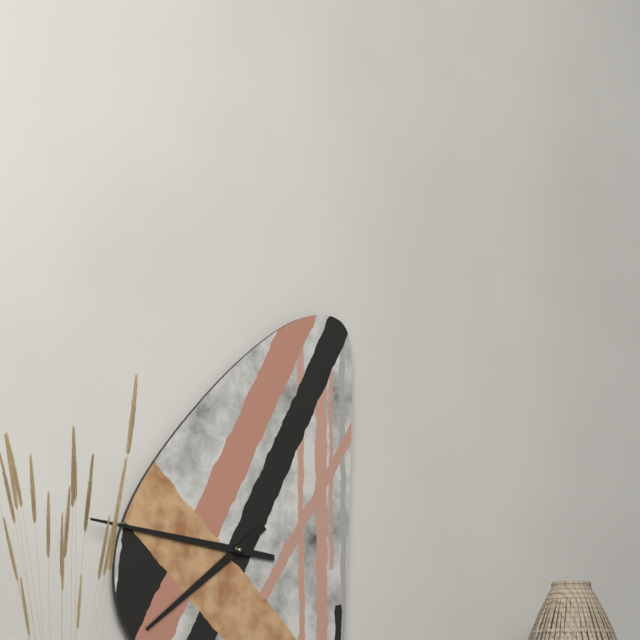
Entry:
**7:46**
